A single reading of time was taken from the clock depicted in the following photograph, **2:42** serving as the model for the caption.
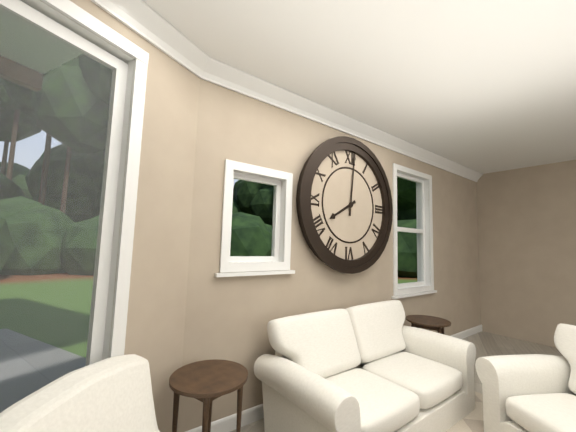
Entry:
**8:01**
